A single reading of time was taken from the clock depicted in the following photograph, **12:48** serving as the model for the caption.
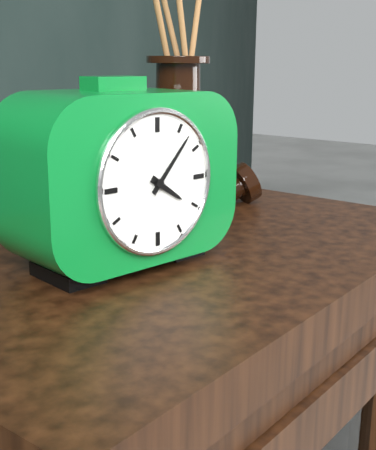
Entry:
**4:07**
